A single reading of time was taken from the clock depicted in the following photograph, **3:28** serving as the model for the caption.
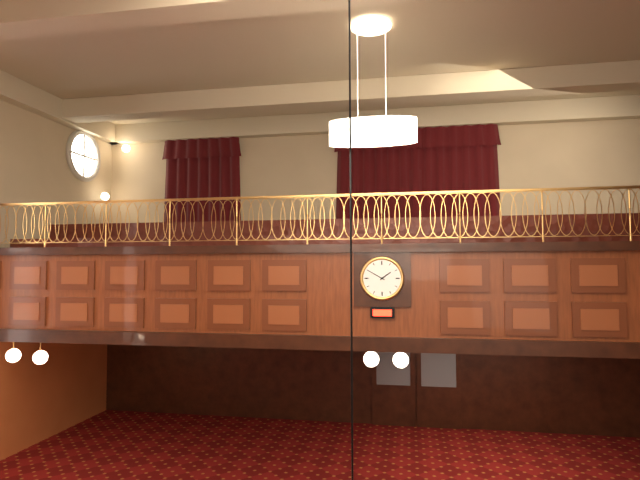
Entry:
**1:50**
